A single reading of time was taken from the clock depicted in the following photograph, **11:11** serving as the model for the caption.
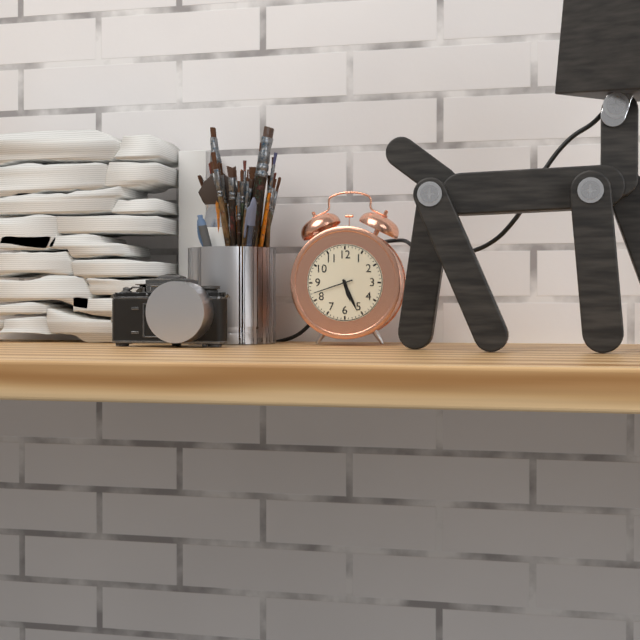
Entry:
**5:26**
